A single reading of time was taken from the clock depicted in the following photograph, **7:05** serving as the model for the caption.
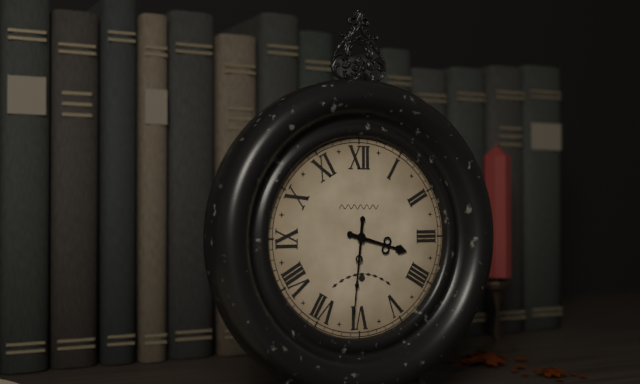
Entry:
**3:31**
